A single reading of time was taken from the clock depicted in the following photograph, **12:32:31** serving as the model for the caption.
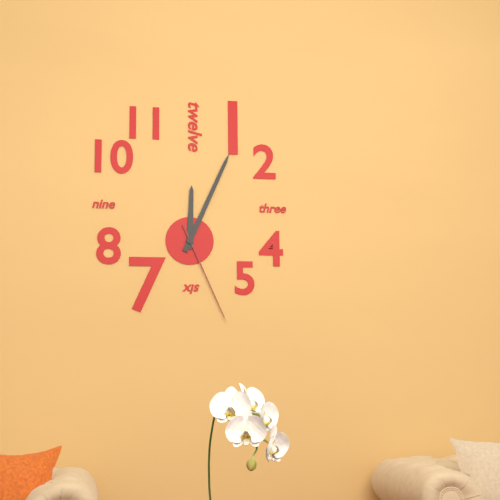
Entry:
**12:04:26**
